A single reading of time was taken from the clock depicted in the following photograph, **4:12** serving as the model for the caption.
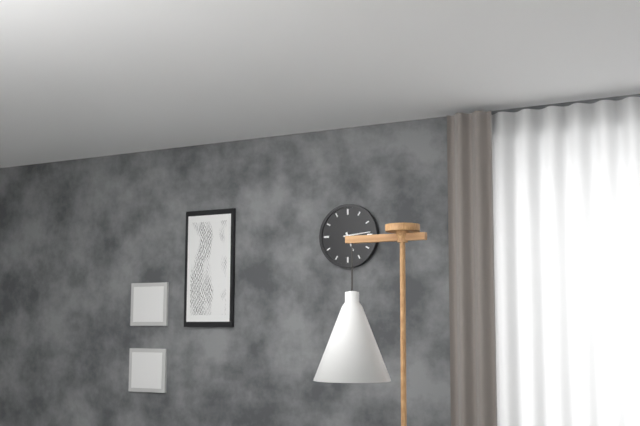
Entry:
**5:14**
